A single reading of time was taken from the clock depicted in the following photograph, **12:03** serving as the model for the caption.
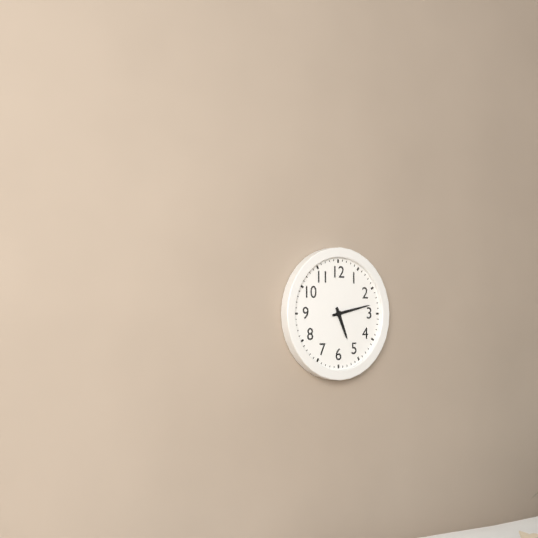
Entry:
**5:13**
